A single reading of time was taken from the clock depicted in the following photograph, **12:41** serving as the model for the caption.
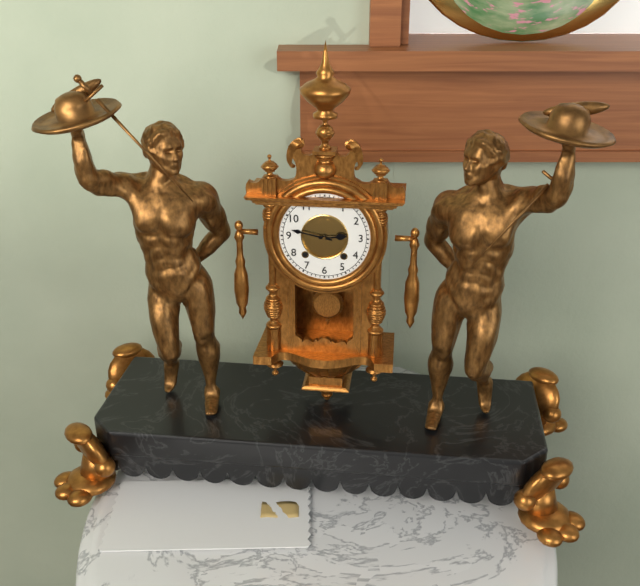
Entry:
**2:47**
